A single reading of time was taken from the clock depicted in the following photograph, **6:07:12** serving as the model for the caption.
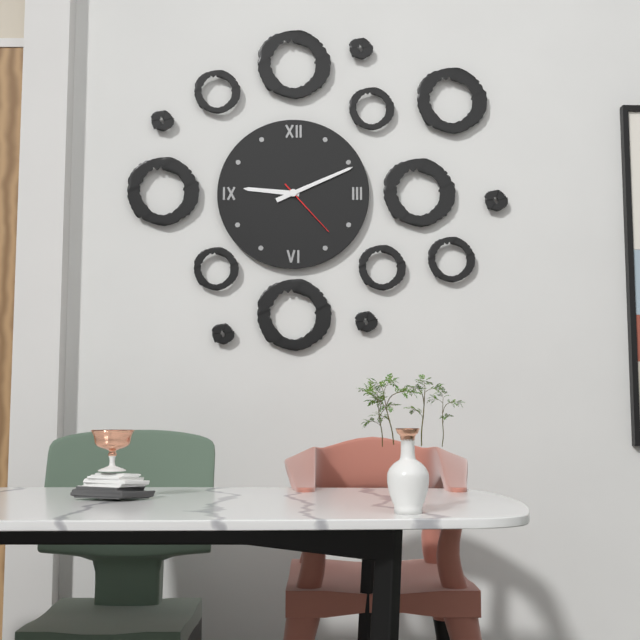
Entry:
**9:11:23**
